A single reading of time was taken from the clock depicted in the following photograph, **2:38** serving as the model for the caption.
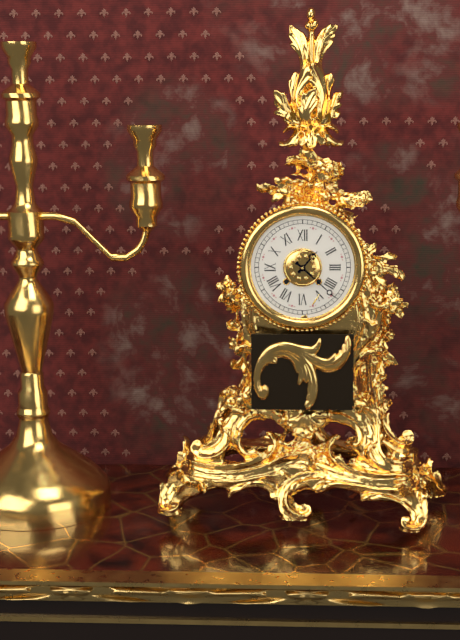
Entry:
**1:22**
